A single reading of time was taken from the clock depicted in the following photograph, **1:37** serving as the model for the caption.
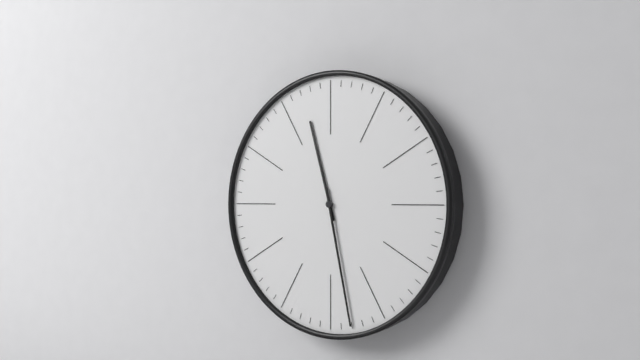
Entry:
**11:28**
